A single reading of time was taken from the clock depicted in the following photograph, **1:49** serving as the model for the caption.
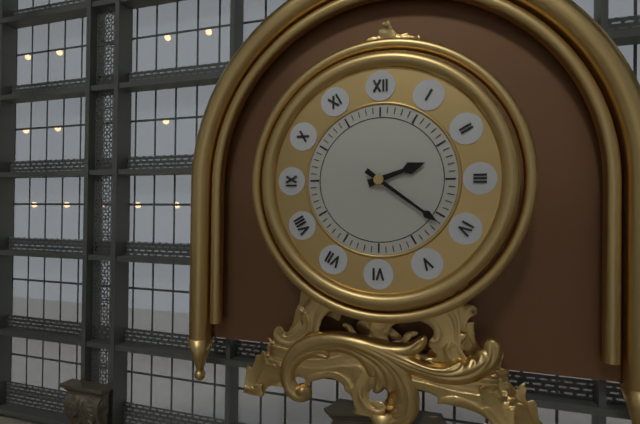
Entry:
**2:21**
